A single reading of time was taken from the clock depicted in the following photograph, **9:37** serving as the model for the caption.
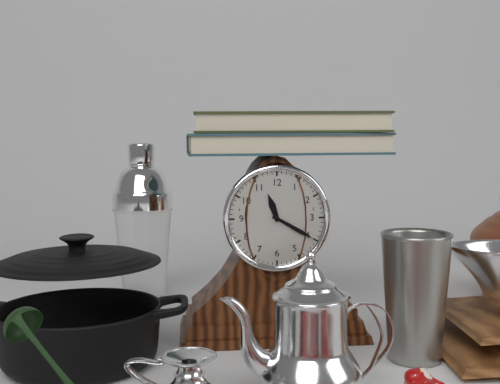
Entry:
**11:20**
